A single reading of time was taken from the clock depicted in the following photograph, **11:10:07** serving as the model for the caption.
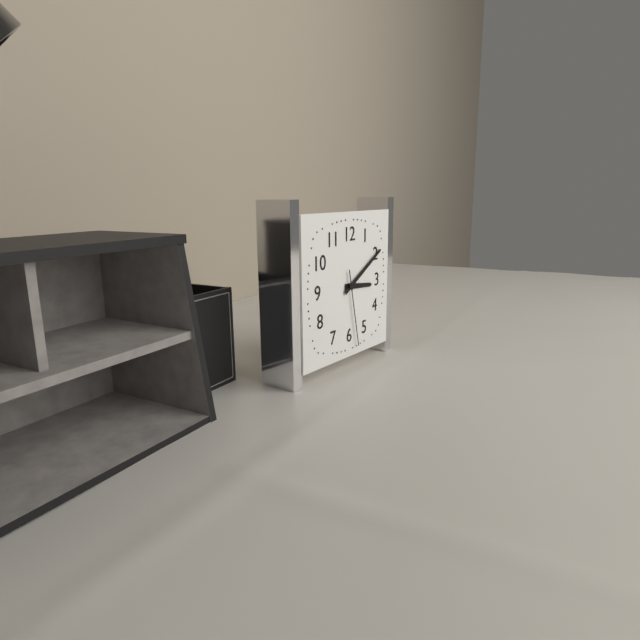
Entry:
**3:10:28**
